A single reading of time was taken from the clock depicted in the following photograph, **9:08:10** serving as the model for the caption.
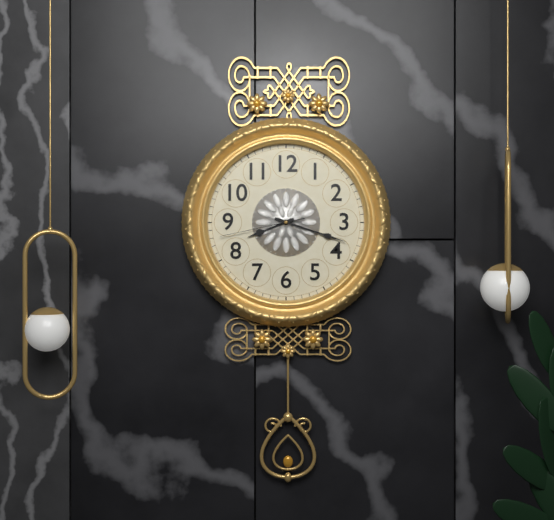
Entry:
**8:18:43**
